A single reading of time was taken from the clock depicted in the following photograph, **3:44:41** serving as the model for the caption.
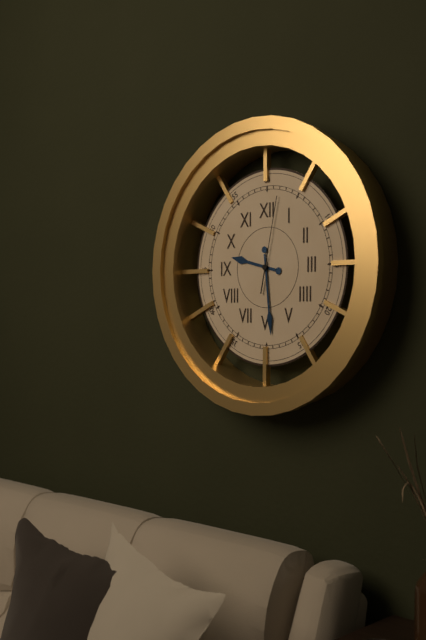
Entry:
**9:29:02**
